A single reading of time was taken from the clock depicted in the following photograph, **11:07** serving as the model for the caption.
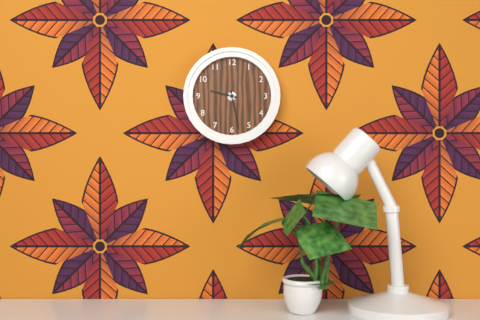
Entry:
**9:28**
